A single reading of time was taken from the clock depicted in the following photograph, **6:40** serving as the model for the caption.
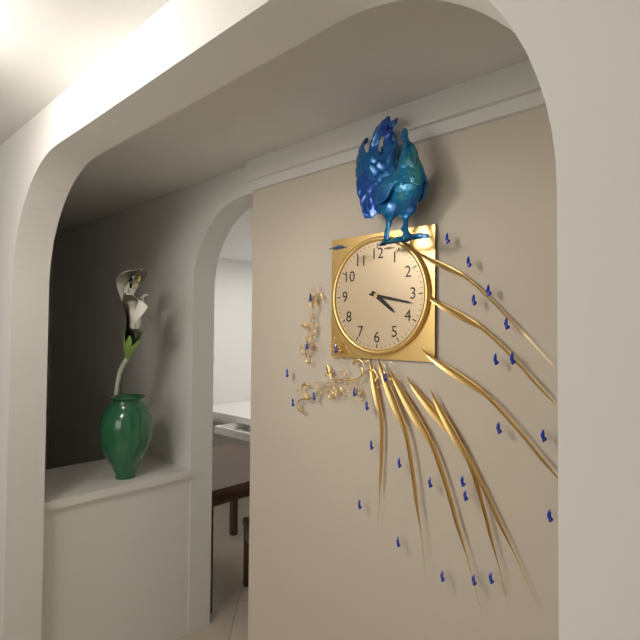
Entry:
**4:17**
